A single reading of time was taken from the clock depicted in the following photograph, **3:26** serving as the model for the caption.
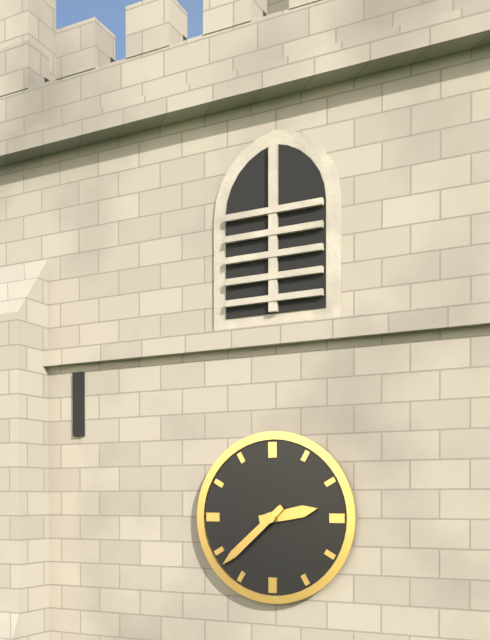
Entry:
**2:38**
